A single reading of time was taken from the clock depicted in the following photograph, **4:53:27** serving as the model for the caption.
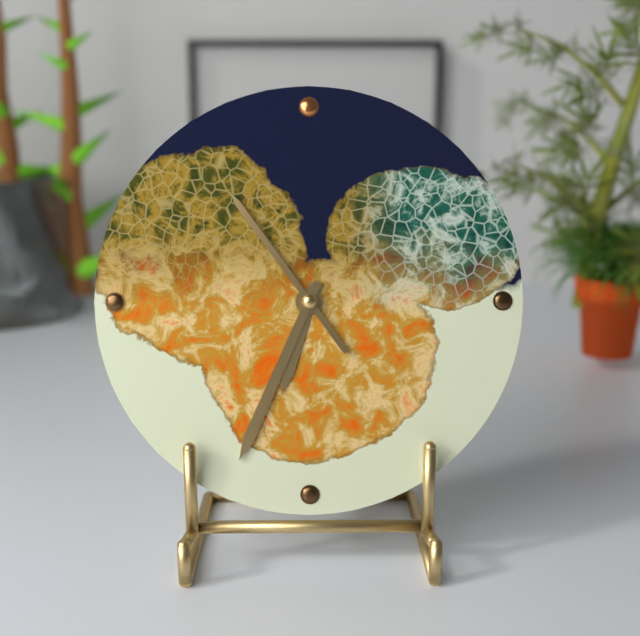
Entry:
**6:34:54**
